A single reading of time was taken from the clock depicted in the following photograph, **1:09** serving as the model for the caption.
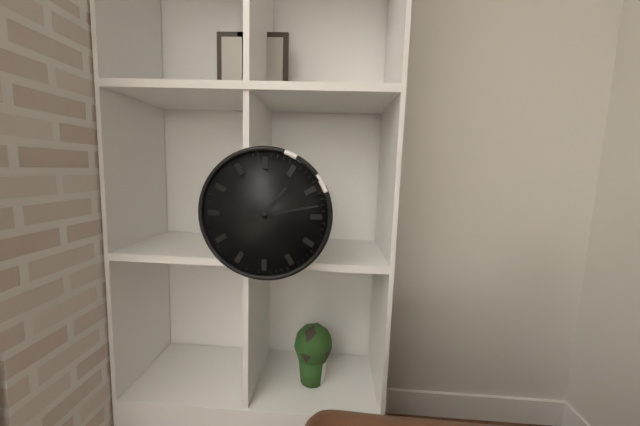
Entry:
**1:13**
